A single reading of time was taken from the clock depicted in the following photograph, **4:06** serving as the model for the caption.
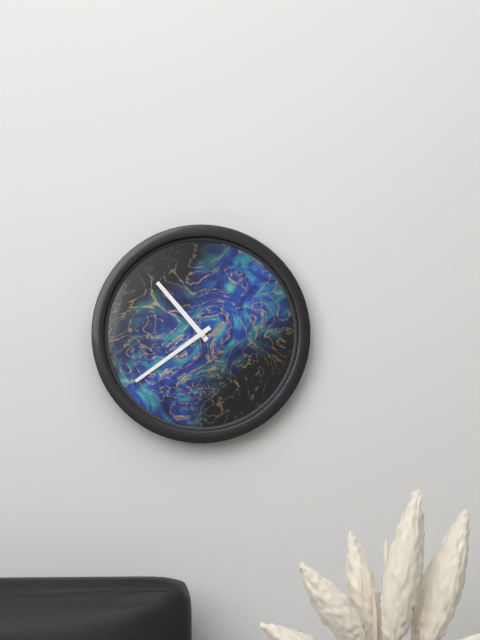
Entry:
**10:39**
